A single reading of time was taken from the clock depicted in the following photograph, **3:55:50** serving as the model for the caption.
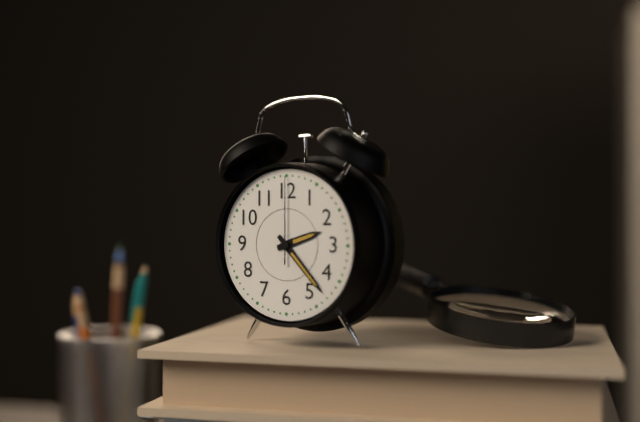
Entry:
**2:23:00**
